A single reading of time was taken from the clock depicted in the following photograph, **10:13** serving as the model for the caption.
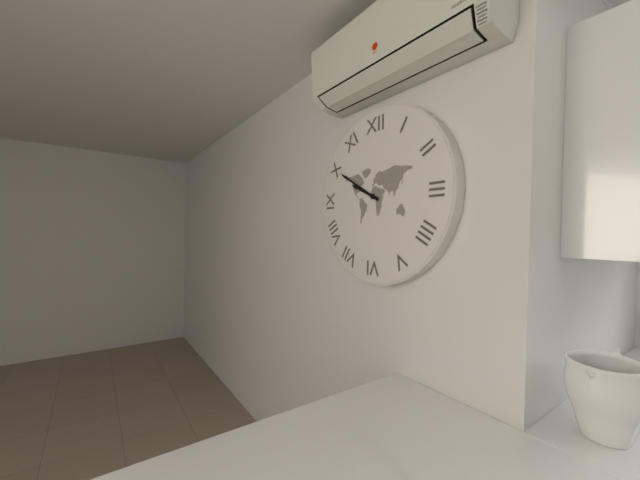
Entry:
**9:50**
